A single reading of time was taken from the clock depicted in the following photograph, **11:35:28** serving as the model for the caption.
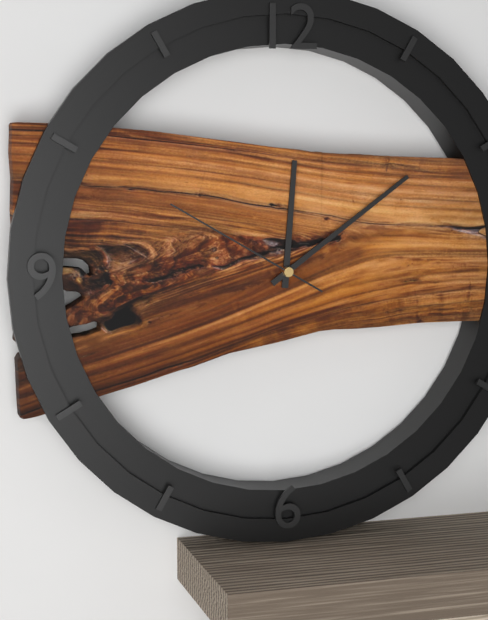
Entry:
**12:09:50**
